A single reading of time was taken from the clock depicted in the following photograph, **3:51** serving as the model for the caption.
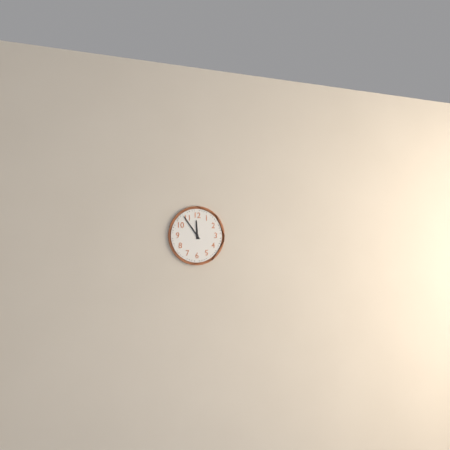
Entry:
**11:54**
